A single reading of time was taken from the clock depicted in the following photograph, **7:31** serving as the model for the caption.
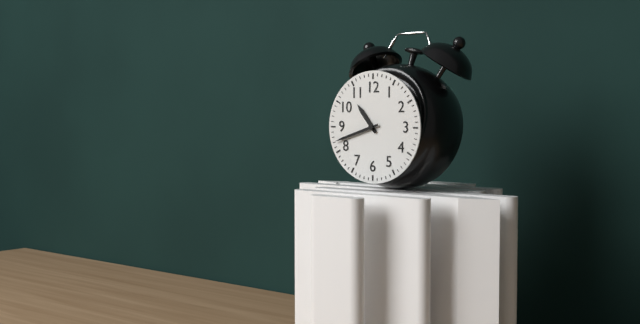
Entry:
**10:42**
